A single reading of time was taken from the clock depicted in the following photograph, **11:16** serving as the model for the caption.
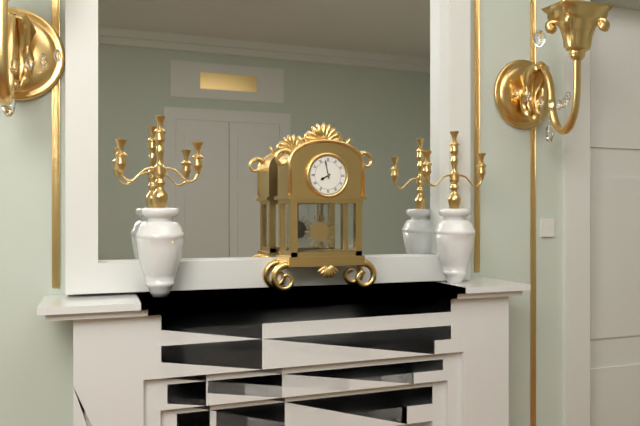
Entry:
**7:58**
